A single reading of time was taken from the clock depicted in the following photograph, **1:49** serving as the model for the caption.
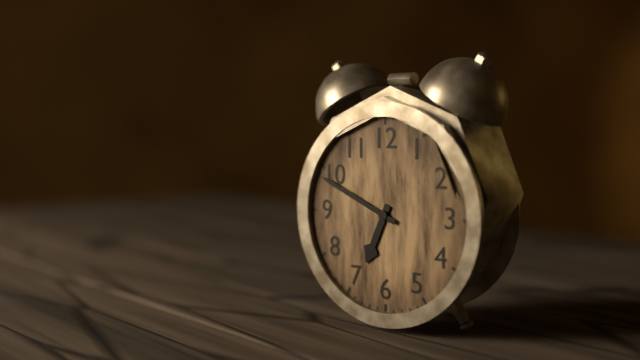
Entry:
**6:49**
